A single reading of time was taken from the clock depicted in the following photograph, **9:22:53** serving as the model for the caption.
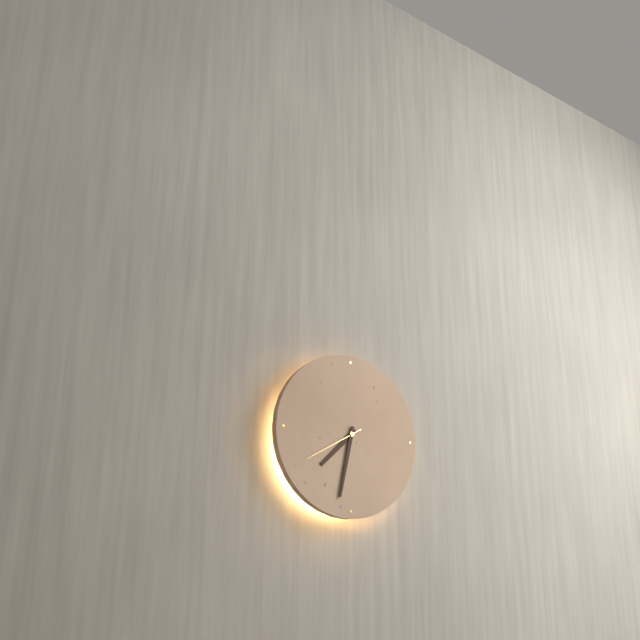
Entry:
**7:32:40**
